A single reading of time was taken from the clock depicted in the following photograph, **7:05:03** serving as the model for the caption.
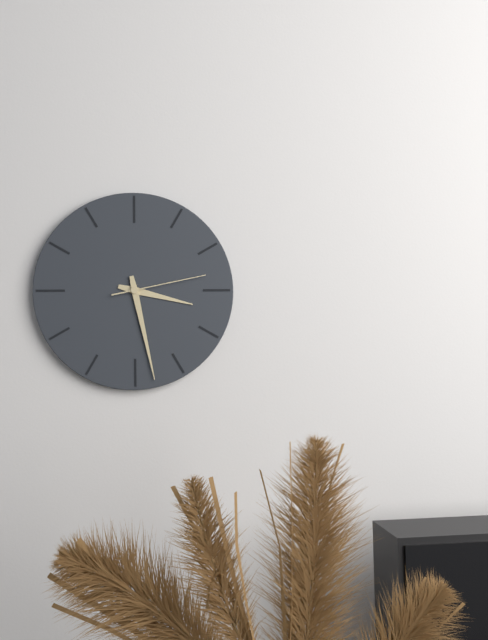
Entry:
**3:28:13**
